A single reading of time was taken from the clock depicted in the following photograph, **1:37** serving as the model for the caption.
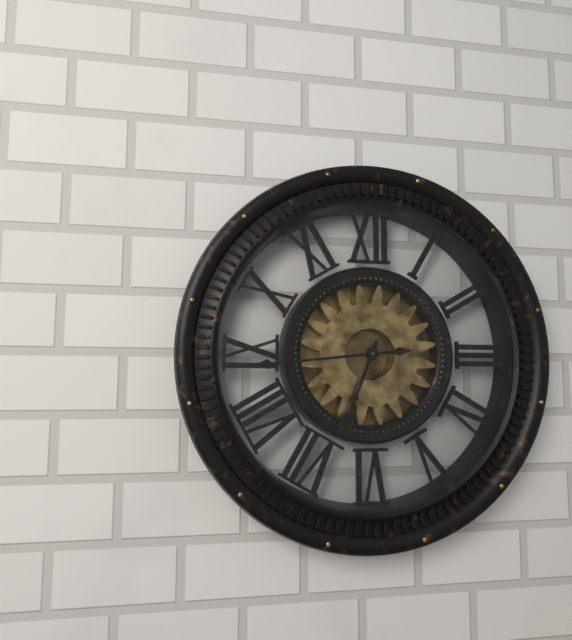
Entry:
**6:44**
